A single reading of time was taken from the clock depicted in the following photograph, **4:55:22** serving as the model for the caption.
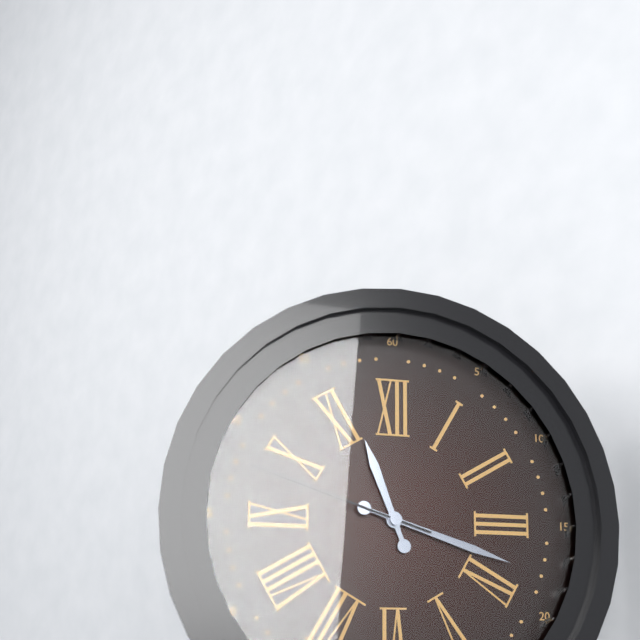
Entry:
**11:18:48**
